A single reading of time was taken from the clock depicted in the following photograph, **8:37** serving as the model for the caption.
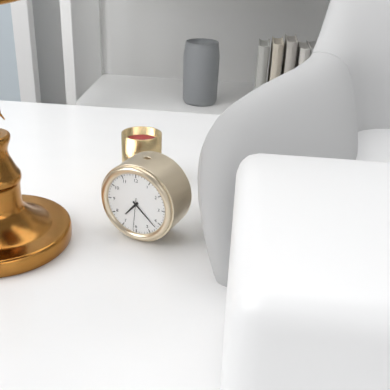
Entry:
**7:22**
